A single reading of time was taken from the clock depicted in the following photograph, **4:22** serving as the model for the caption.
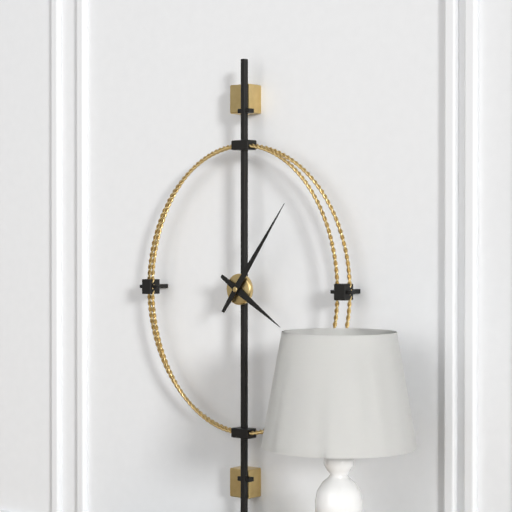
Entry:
**4:06**
